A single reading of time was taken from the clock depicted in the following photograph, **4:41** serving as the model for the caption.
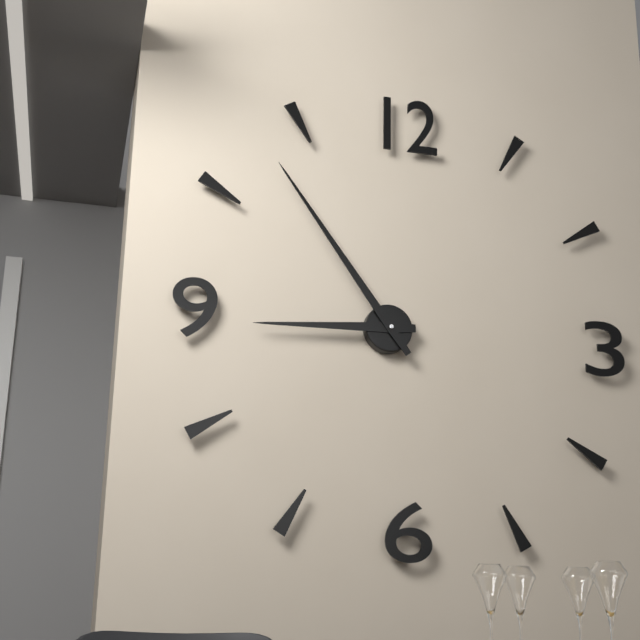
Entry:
**8:54**
